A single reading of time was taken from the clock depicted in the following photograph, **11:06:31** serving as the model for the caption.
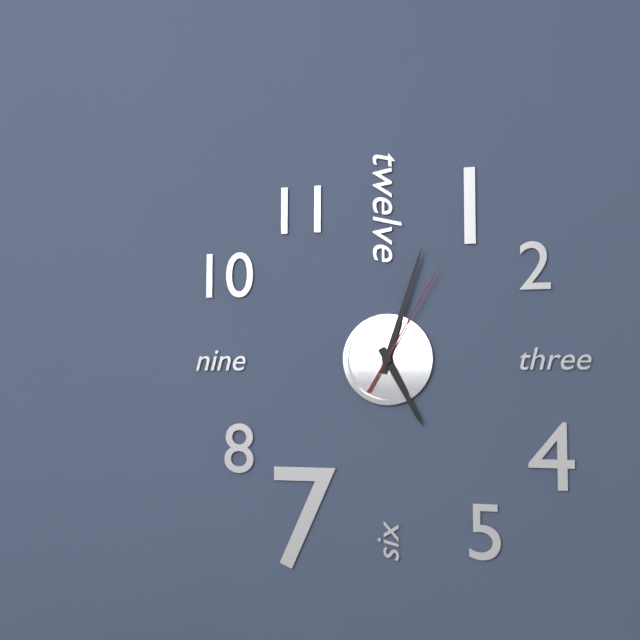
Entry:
**5:03:05**
